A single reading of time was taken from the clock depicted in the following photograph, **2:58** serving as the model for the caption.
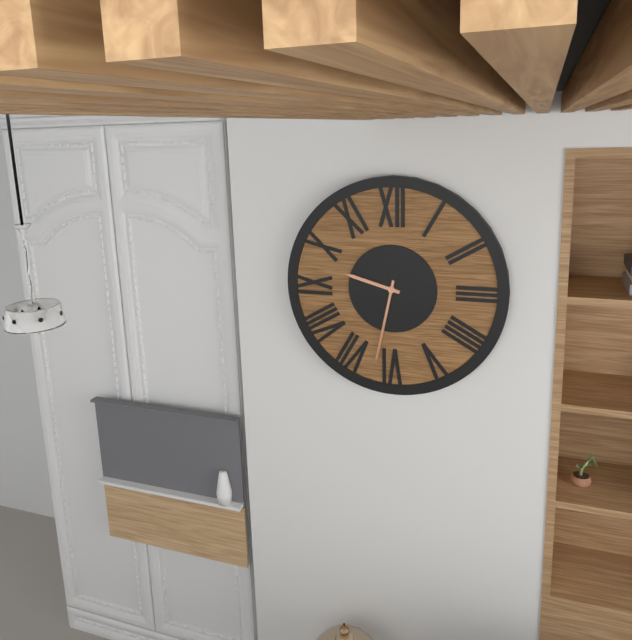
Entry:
**9:32**
